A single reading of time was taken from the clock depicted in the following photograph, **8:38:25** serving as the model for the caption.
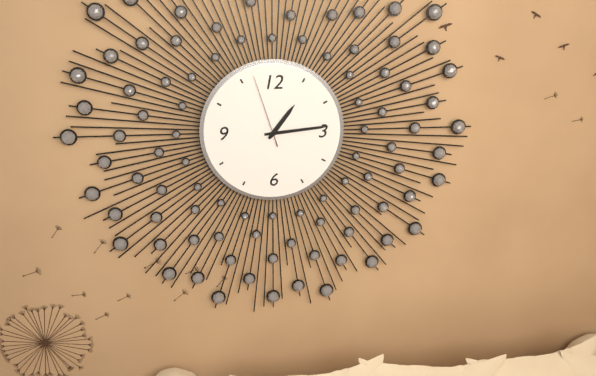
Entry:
**1:14:57**
